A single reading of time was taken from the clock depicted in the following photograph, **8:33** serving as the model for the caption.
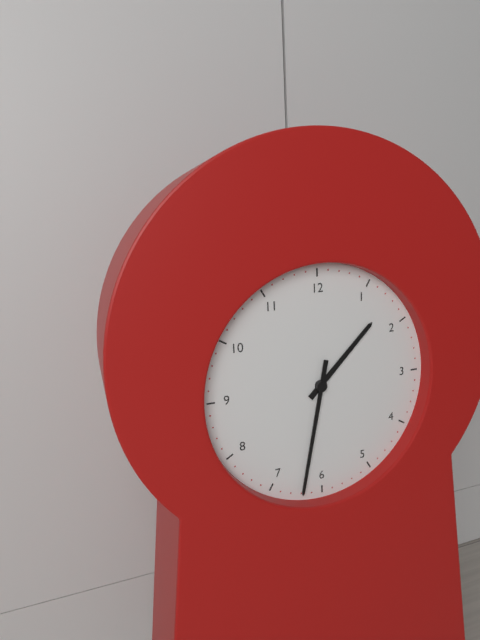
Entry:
**1:32**
